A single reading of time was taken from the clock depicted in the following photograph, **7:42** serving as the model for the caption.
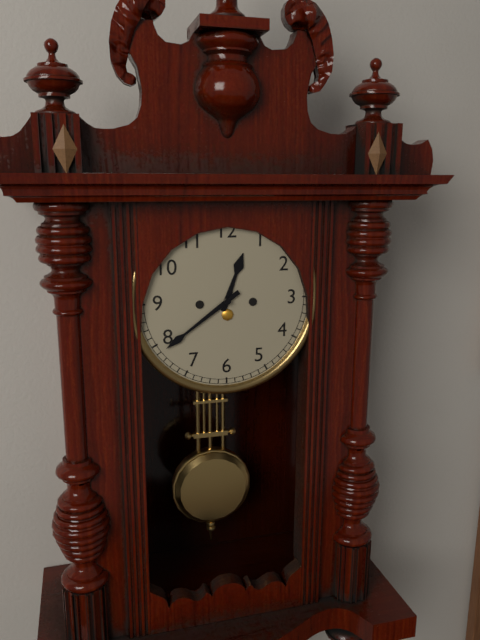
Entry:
**12:39**
